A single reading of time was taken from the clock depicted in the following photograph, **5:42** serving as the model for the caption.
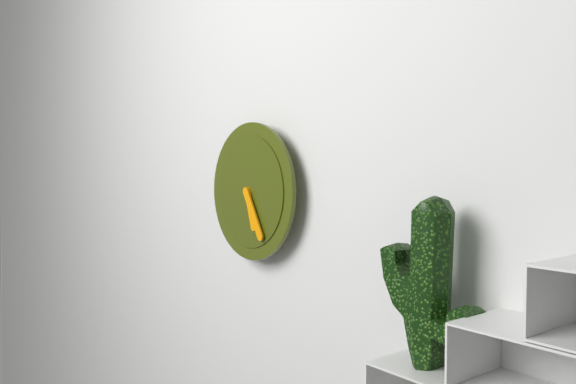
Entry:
**5:25**
